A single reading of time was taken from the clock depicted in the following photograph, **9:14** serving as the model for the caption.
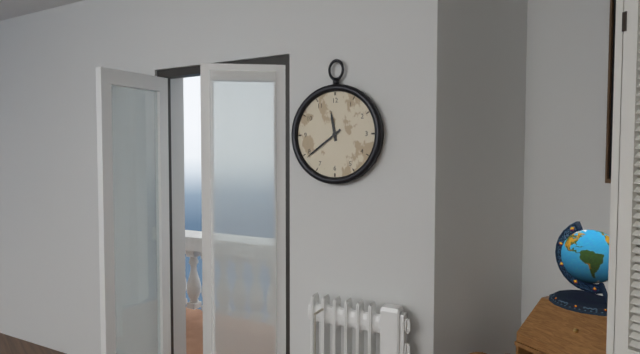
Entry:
**11:39**
